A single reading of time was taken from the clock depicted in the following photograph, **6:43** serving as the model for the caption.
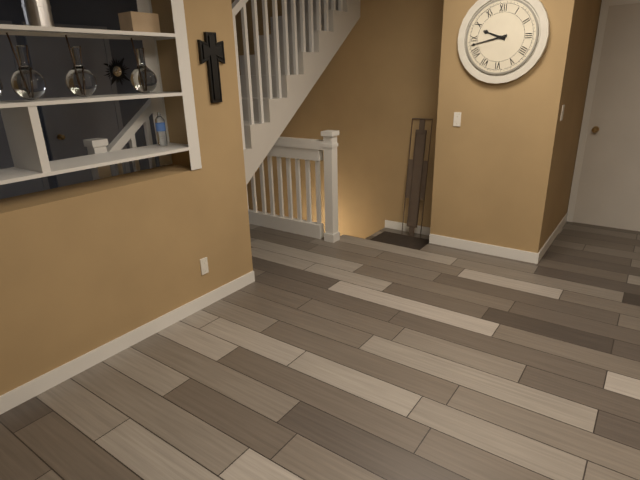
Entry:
**9:43**
